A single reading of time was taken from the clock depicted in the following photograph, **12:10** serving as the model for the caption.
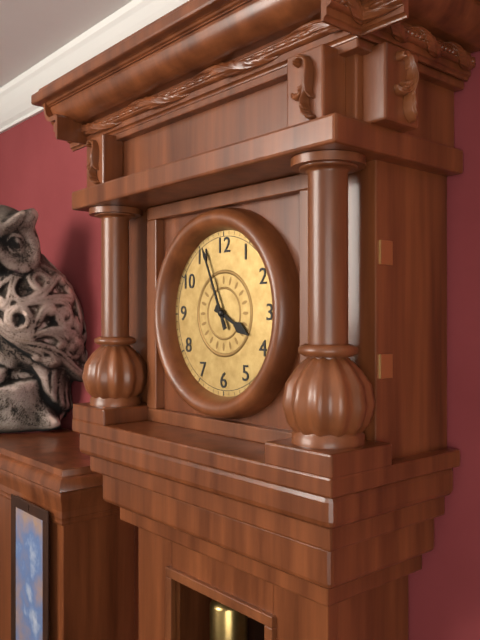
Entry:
**3:56**
